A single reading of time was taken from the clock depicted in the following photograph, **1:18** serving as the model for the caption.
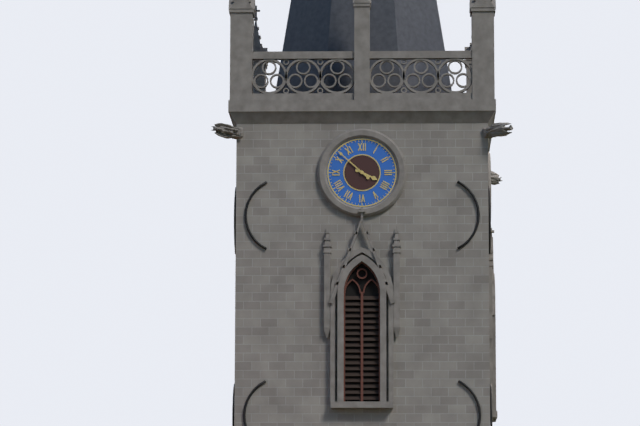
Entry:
**3:52**
